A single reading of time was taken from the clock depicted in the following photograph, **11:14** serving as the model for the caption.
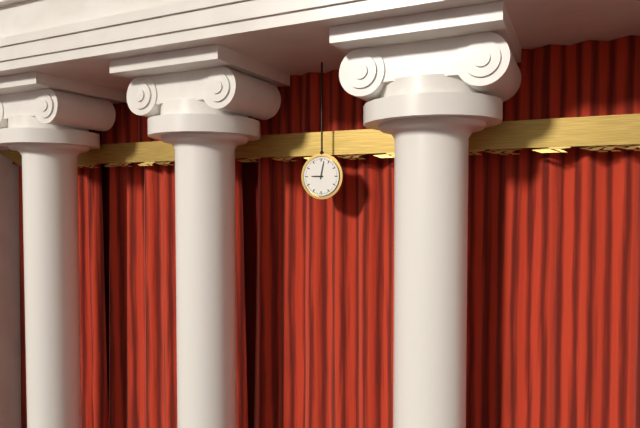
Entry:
**9:02**
